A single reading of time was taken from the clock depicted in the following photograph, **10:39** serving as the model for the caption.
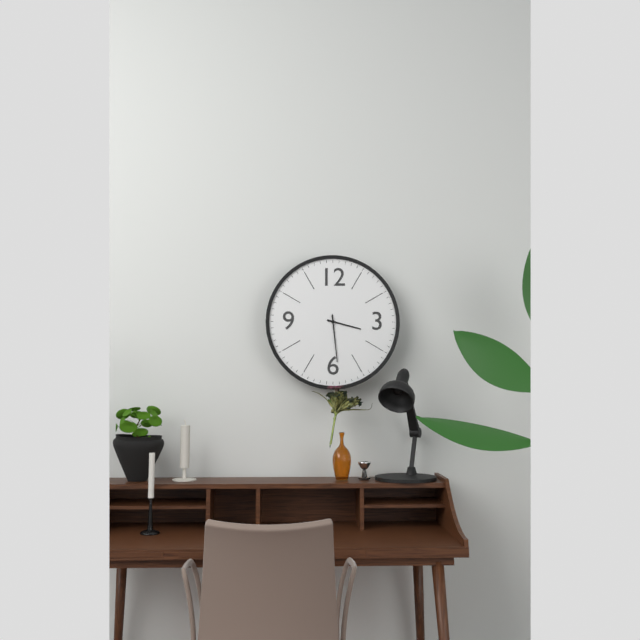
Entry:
**3:29**
